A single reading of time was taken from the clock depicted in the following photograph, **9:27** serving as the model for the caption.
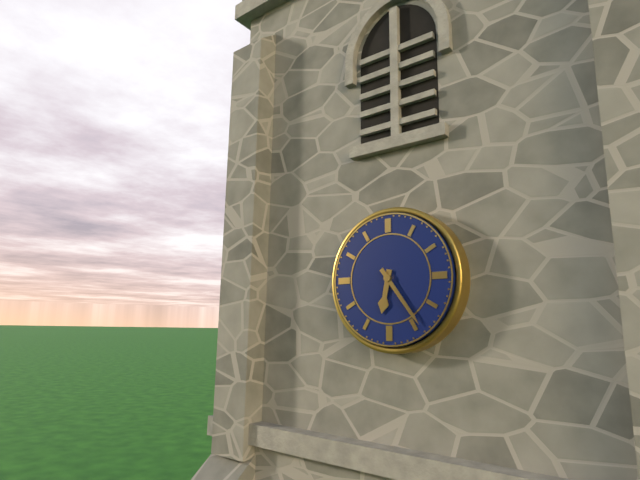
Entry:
**6:24**
